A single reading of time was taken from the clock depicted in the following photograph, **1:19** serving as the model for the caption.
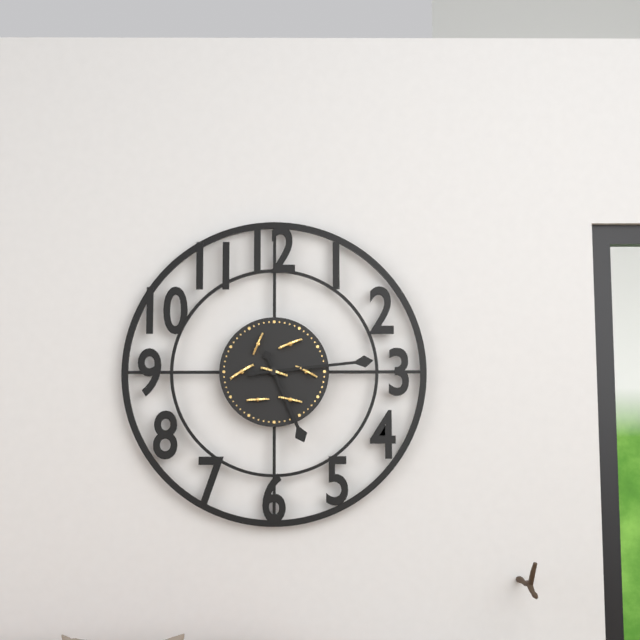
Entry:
**5:14**
